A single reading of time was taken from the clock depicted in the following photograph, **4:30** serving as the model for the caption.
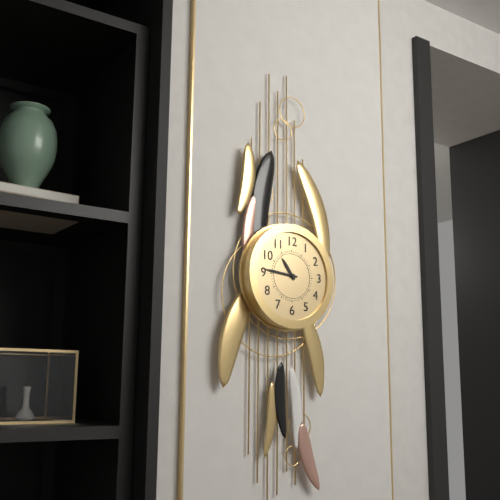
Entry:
**10:46**
